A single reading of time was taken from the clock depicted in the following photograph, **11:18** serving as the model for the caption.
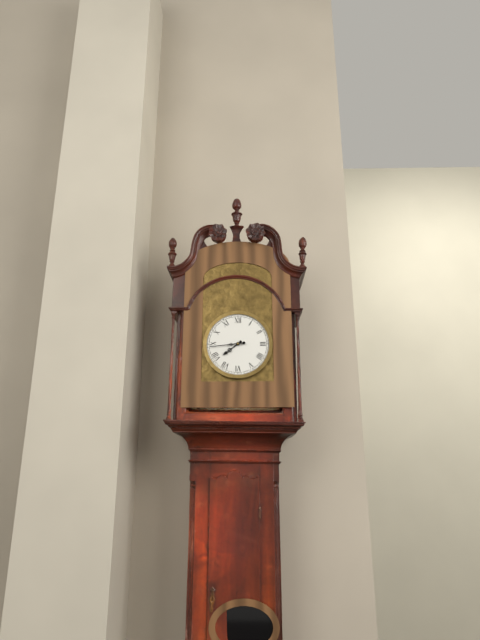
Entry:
**7:44**
